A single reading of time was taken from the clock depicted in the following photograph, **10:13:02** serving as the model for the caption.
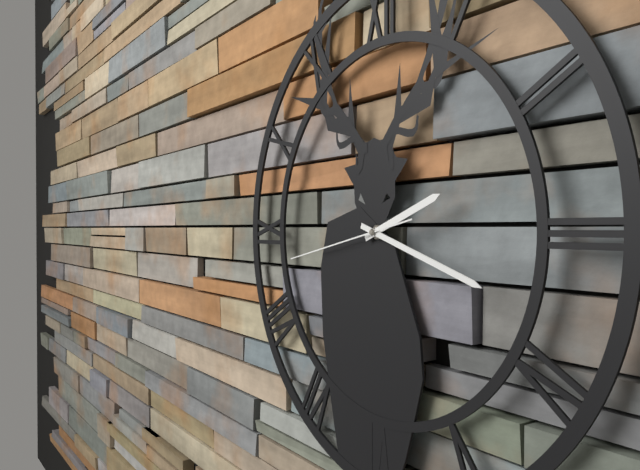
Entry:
**2:18:43**
